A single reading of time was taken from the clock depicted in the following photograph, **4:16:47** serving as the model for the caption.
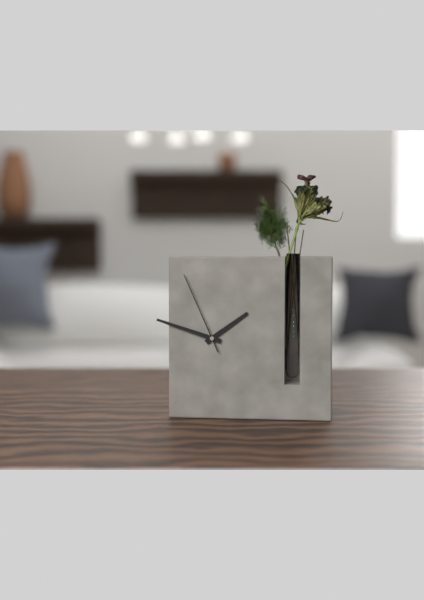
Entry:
**1:48:56**
